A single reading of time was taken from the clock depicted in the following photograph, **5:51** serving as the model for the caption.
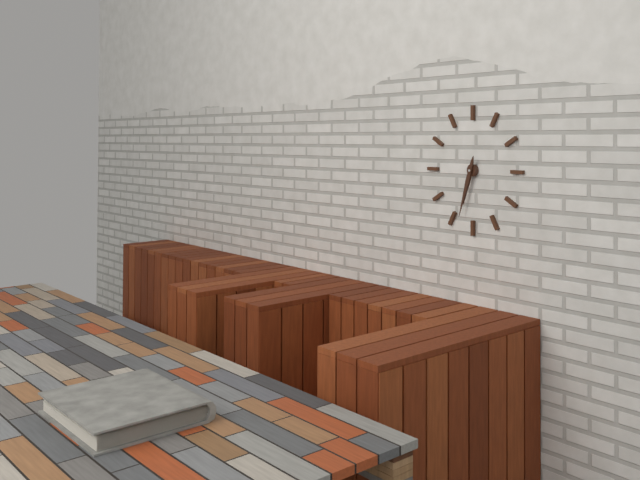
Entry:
**6:33**
